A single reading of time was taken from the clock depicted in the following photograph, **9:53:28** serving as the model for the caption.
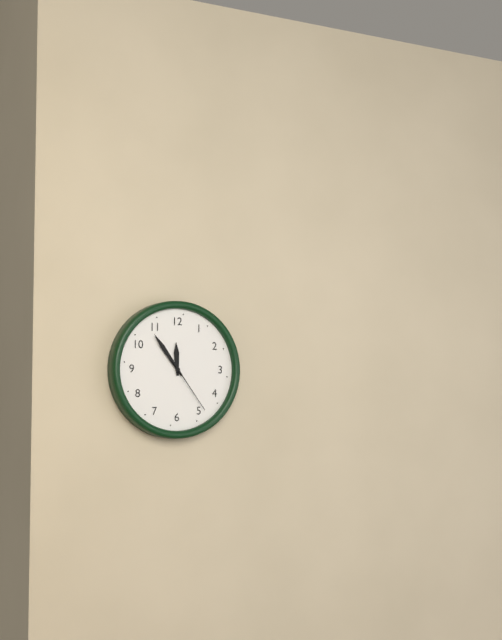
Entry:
**11:54:24**
